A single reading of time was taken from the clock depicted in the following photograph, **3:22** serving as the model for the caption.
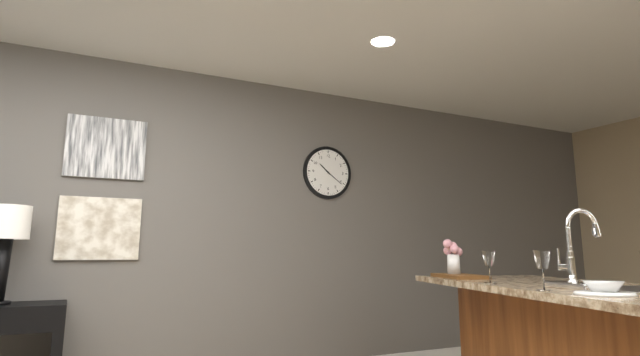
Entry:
**10:21**
